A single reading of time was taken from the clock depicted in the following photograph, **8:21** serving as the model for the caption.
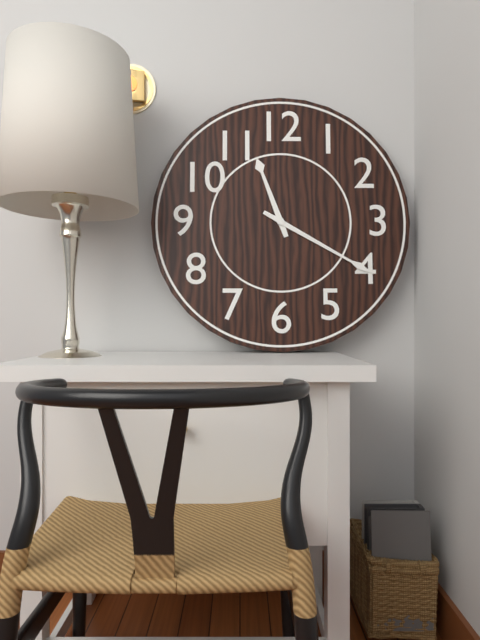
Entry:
**11:20**
